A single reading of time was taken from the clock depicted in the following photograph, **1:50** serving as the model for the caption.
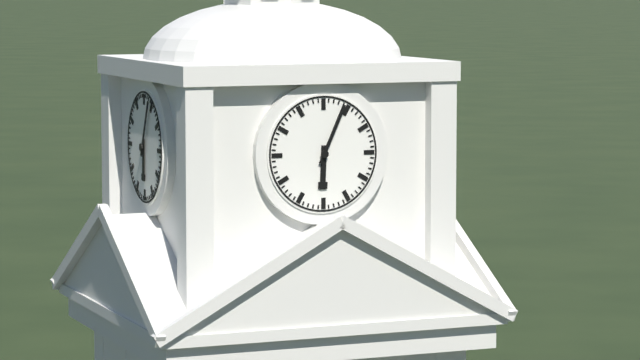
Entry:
**6:04**
